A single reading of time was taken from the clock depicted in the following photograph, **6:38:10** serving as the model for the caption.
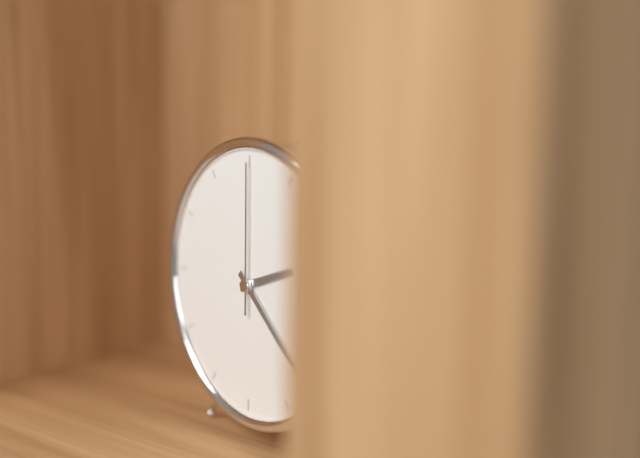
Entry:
**2:22:00**
